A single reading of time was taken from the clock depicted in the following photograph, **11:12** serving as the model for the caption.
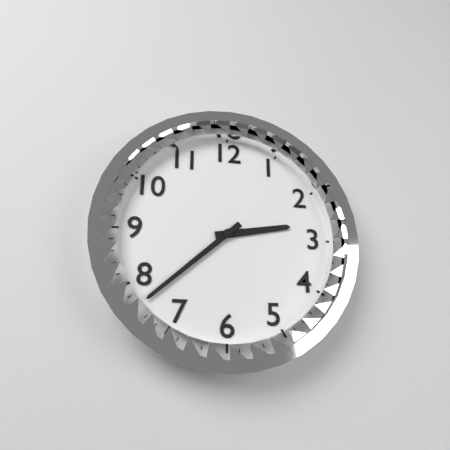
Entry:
**2:38**
